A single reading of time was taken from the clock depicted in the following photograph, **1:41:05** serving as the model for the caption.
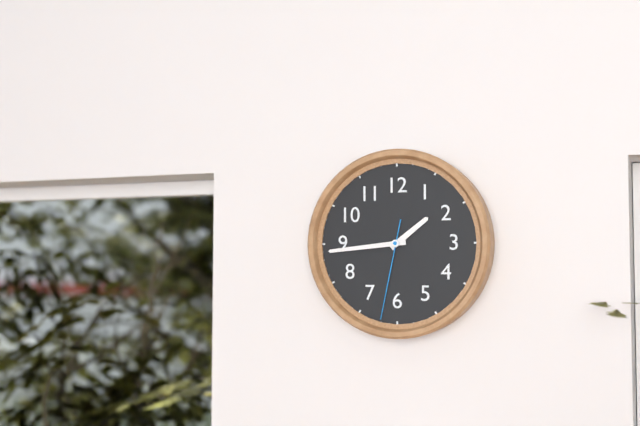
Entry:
**1:44:32**
